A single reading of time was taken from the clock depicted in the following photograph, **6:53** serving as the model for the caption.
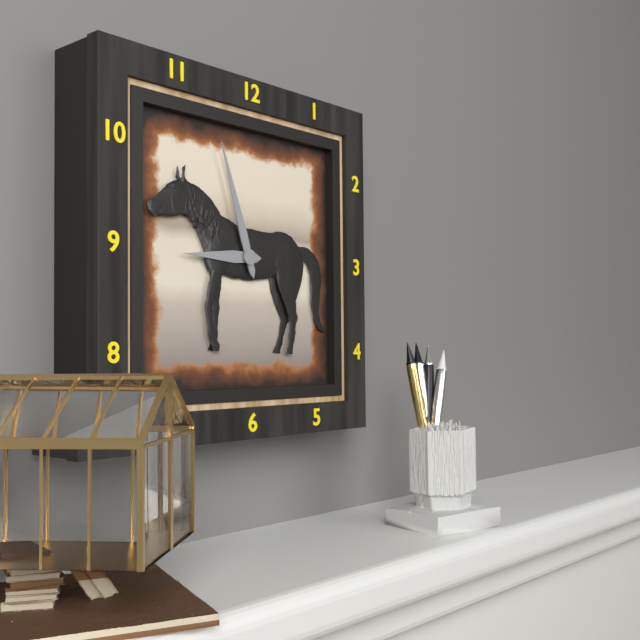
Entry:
**8:57**
